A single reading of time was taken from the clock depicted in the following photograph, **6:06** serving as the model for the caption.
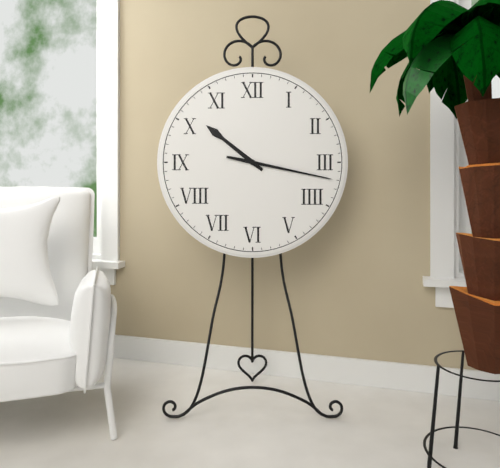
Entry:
**10:17**
